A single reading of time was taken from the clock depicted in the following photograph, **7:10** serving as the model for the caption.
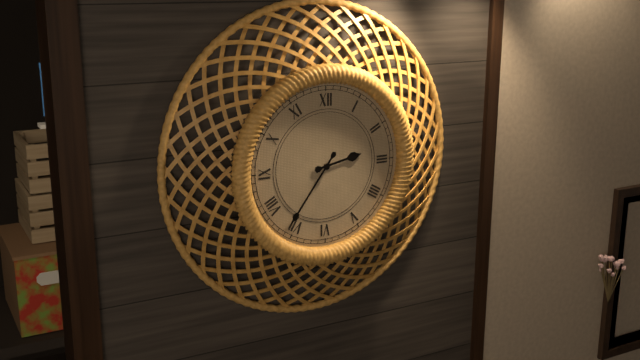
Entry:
**2:36**
